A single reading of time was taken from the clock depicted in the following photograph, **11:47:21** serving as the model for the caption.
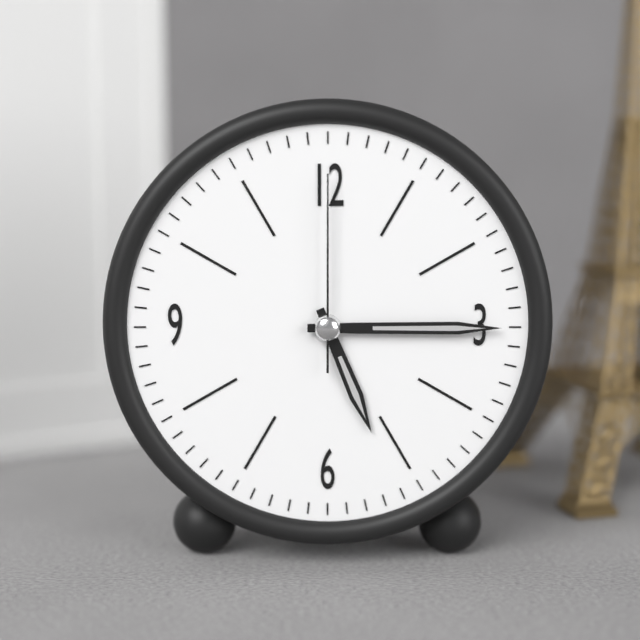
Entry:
**5:15:00**
